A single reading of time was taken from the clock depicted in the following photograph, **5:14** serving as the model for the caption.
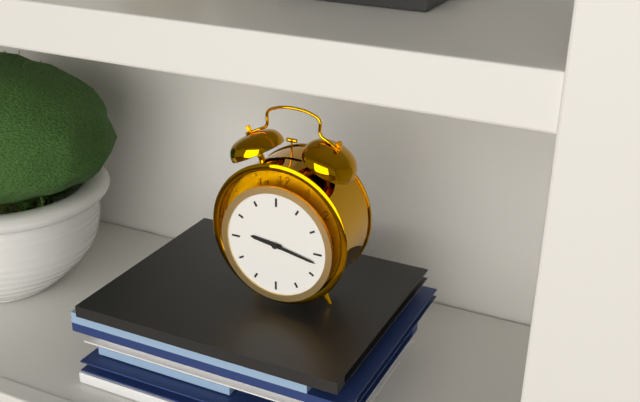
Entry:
**9:17**
